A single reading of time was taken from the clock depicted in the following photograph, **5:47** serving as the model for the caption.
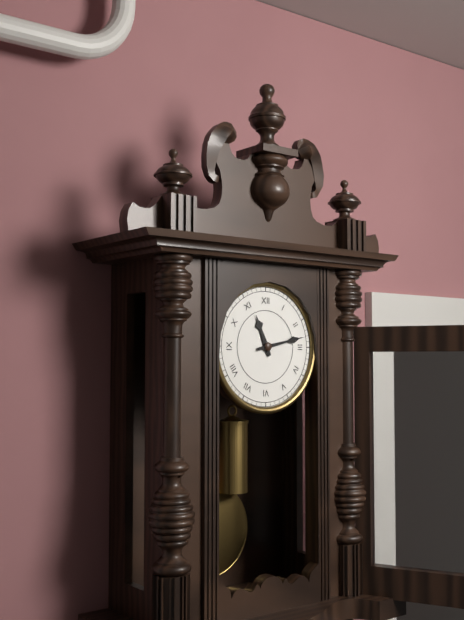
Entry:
**11:13**
